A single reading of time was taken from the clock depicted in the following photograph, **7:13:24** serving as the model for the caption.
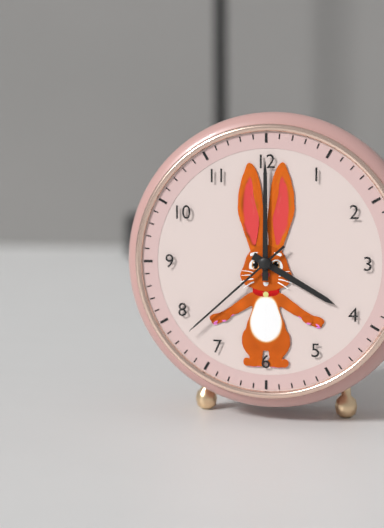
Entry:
**4:00:38**
